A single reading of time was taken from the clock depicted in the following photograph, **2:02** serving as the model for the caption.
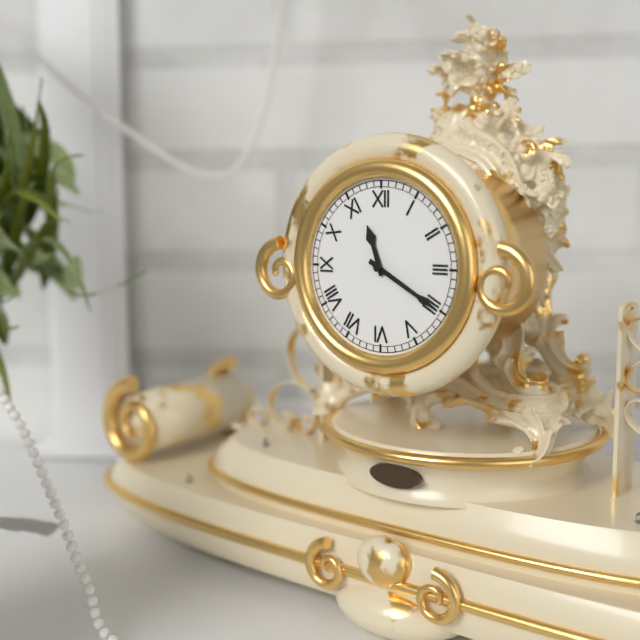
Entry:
**11:20**
